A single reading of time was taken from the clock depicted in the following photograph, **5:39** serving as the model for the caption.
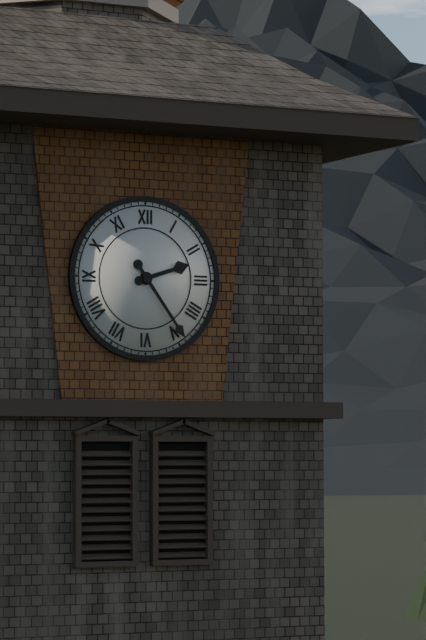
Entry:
**2:24**
